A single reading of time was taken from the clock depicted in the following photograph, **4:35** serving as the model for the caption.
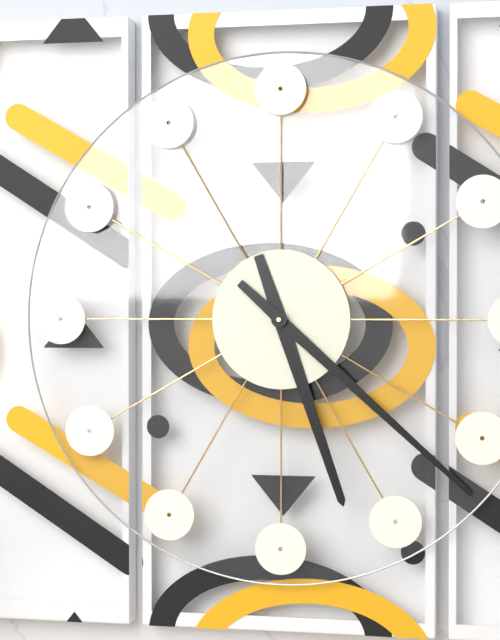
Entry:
**5:22**
